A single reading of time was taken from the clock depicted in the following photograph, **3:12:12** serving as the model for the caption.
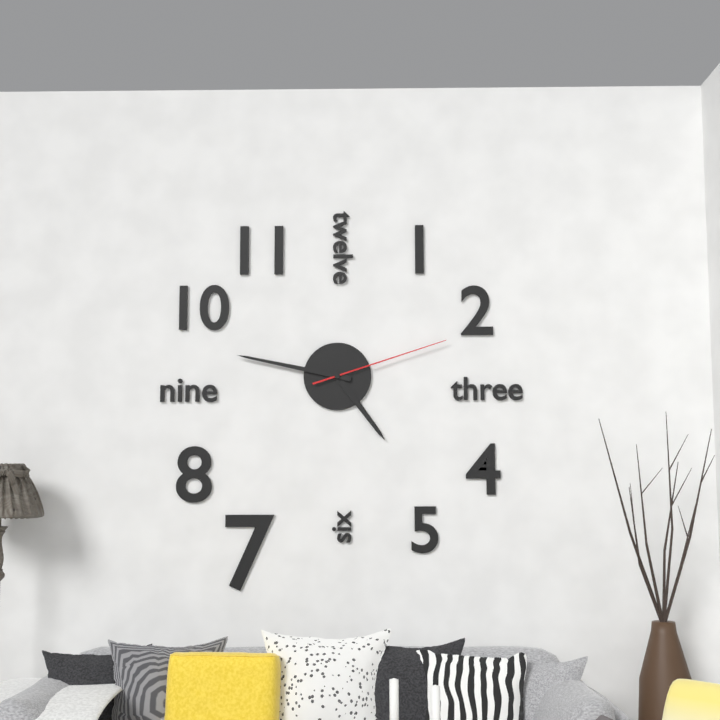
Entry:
**4:47:12**
